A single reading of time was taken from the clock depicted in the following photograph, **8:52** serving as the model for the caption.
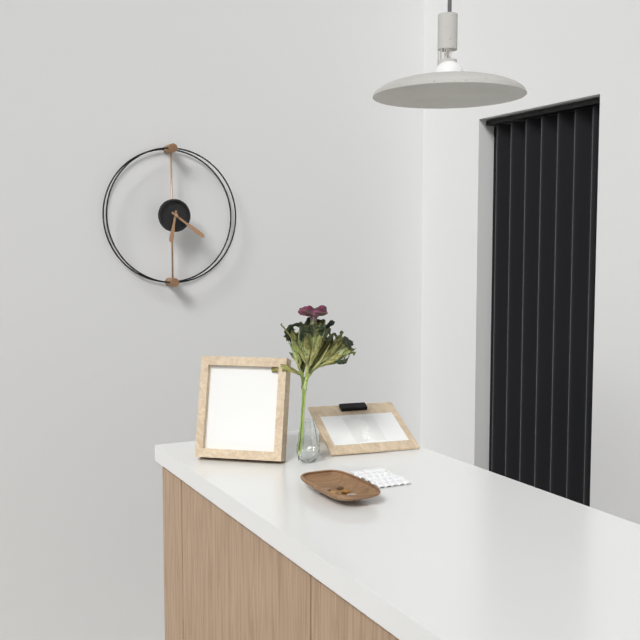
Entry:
**6:21**
